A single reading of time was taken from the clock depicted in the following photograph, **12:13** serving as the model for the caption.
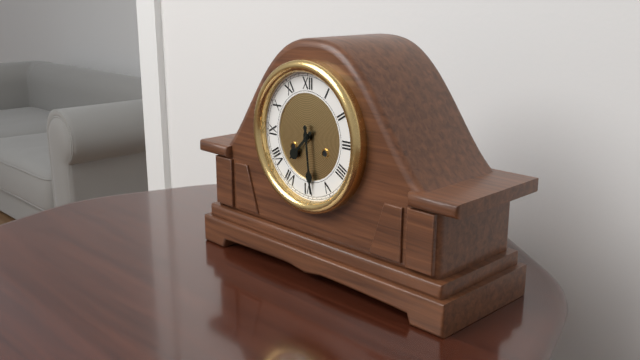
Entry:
**7:29**
